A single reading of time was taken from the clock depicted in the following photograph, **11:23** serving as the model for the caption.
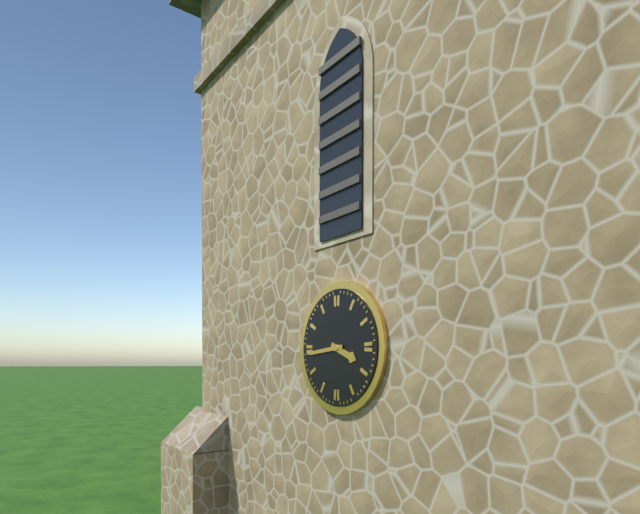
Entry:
**3:44**
